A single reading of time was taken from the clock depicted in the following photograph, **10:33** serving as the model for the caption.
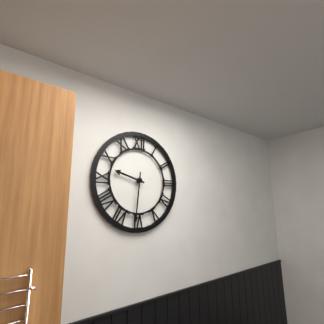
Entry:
**9:31**
